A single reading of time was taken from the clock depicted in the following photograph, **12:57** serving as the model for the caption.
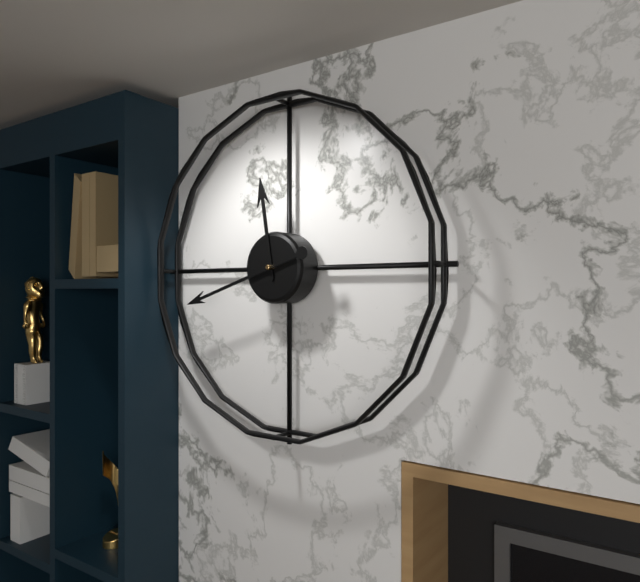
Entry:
**11:42**
